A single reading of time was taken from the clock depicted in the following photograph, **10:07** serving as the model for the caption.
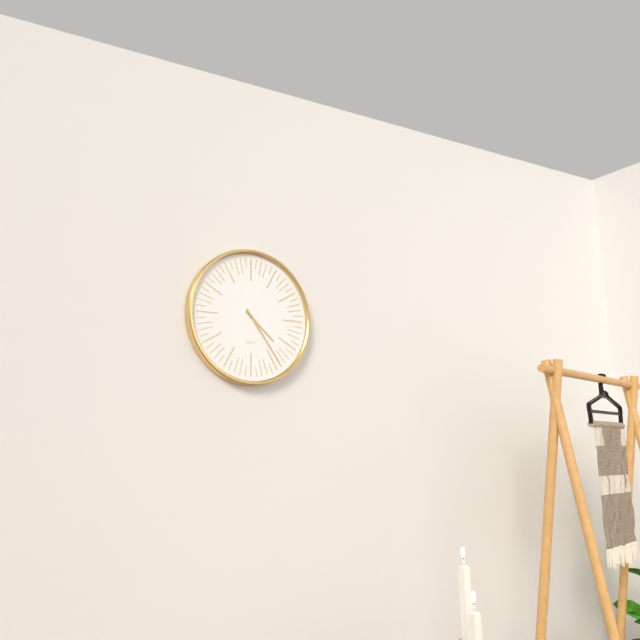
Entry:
**4:24**
